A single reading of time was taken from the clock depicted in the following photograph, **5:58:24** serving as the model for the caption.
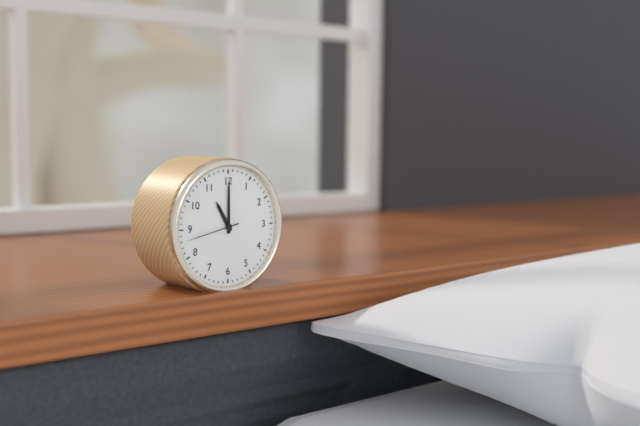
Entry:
**11:00:43**
